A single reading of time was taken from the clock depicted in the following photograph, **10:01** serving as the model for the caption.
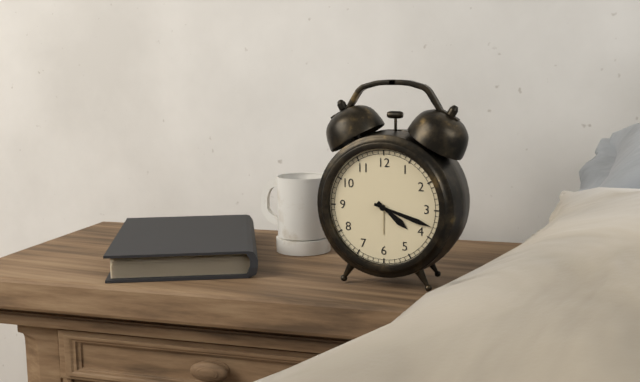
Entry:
**4:18**
